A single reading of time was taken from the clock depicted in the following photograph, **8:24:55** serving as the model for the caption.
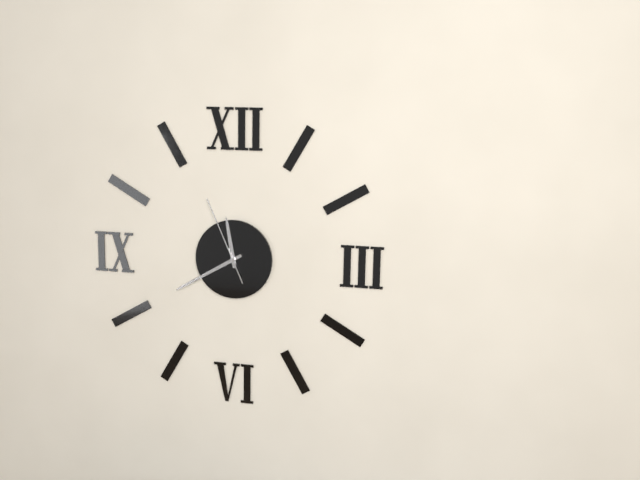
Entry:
**11:40:56**
